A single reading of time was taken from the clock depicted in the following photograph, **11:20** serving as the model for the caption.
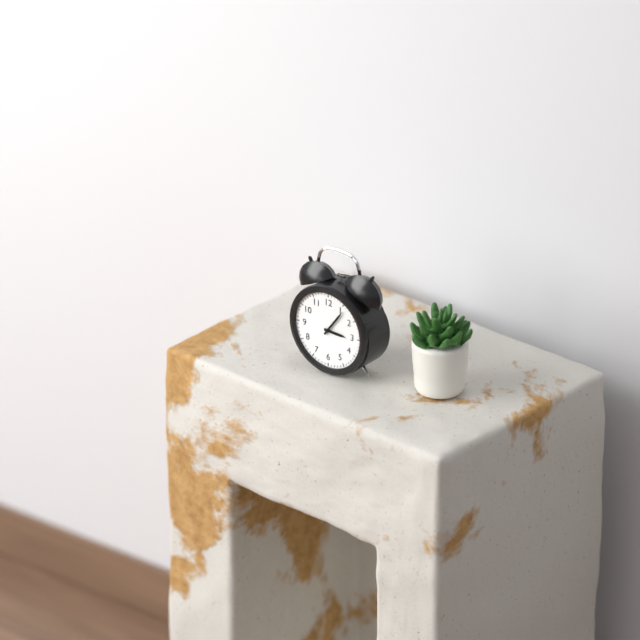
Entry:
**3:06**
